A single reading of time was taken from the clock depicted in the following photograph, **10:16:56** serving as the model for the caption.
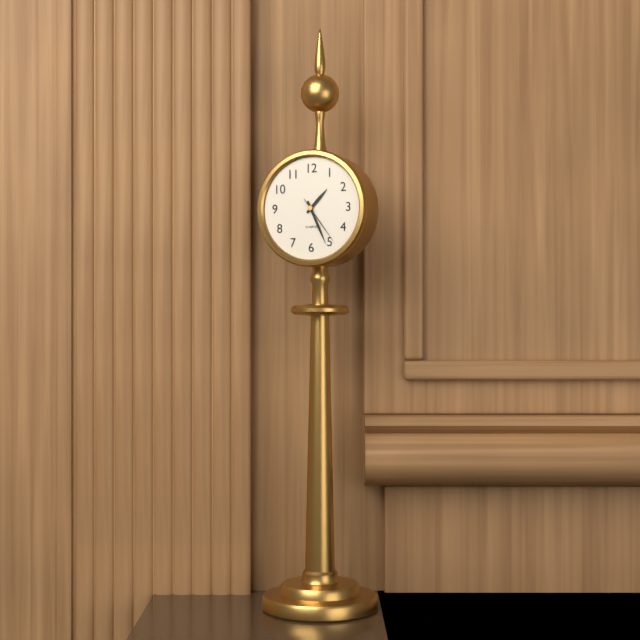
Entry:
**1:26:24**
